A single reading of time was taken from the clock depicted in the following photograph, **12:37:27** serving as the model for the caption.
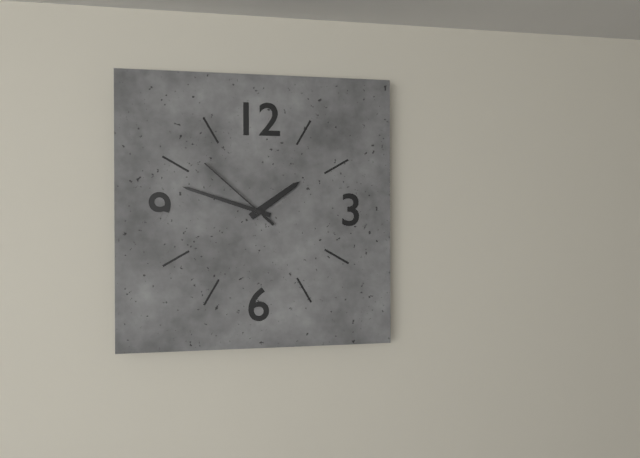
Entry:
**1:48:52**
